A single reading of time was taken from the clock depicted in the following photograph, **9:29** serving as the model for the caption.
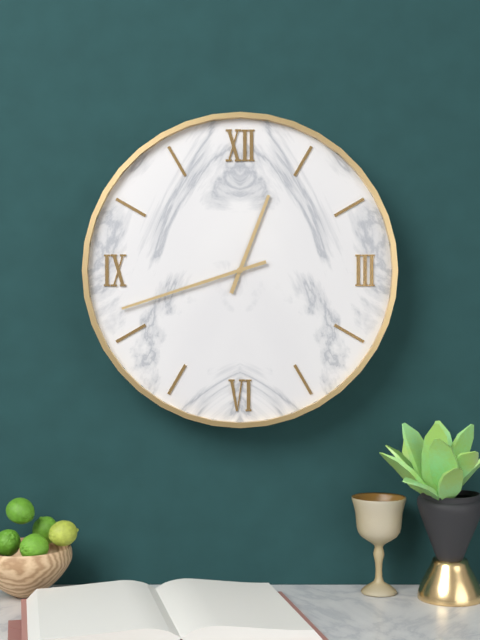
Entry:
**12:42**
